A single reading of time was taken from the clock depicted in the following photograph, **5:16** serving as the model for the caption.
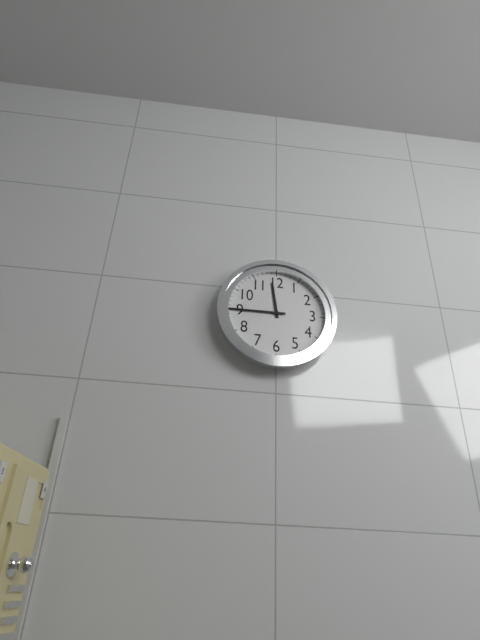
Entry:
**11:45**
